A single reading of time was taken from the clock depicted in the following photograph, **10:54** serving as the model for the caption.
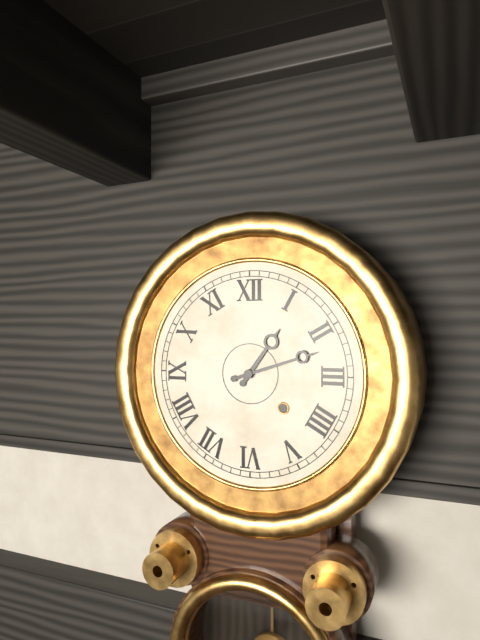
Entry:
**1:12**
